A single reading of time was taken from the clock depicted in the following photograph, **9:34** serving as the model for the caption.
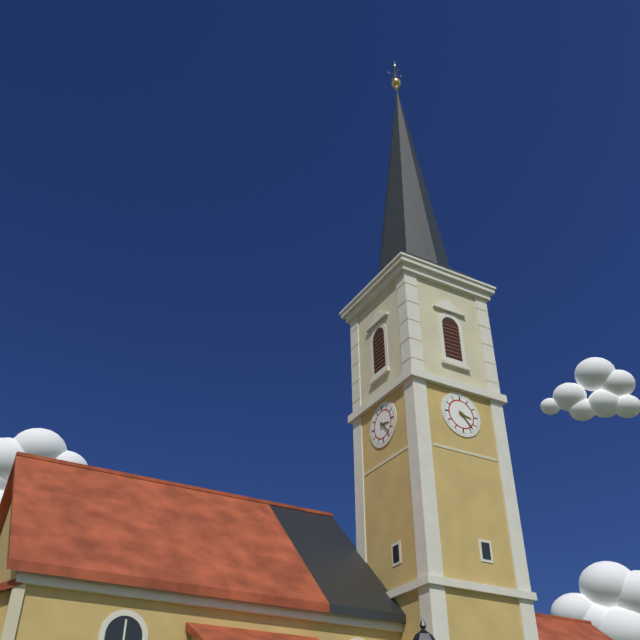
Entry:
**3:23**
